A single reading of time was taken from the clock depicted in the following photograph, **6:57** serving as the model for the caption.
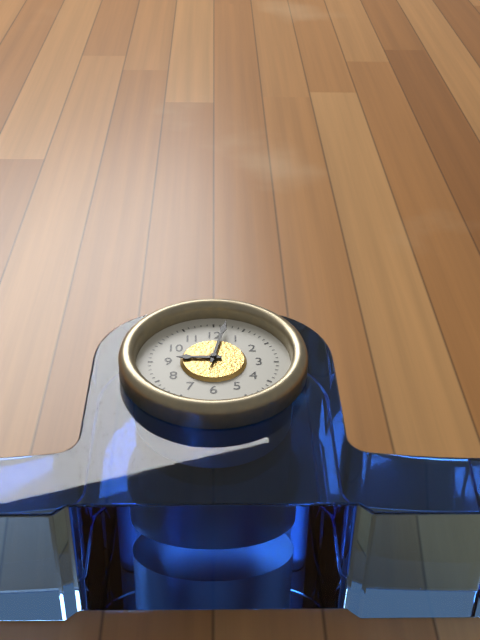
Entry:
**9:02**
